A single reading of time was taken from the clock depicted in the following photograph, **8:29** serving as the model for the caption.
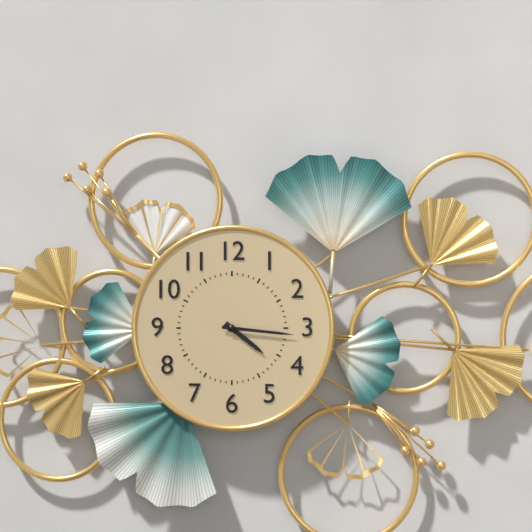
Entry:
**4:16**
